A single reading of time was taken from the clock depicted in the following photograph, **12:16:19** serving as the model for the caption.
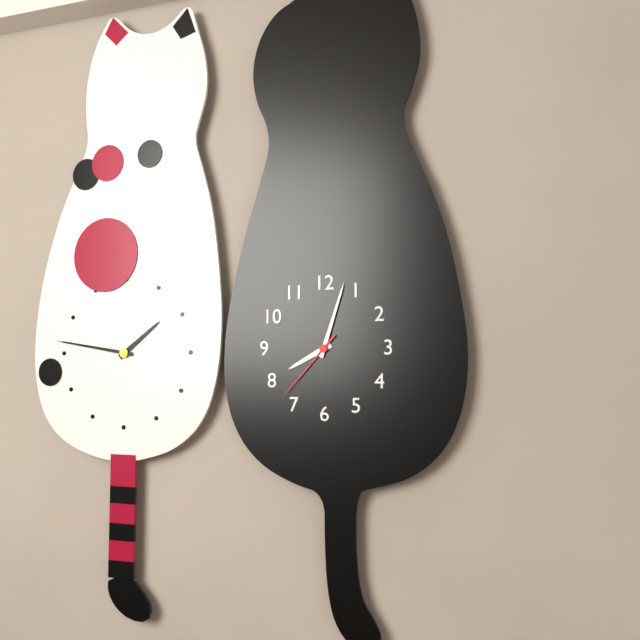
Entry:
**8:03:37**
